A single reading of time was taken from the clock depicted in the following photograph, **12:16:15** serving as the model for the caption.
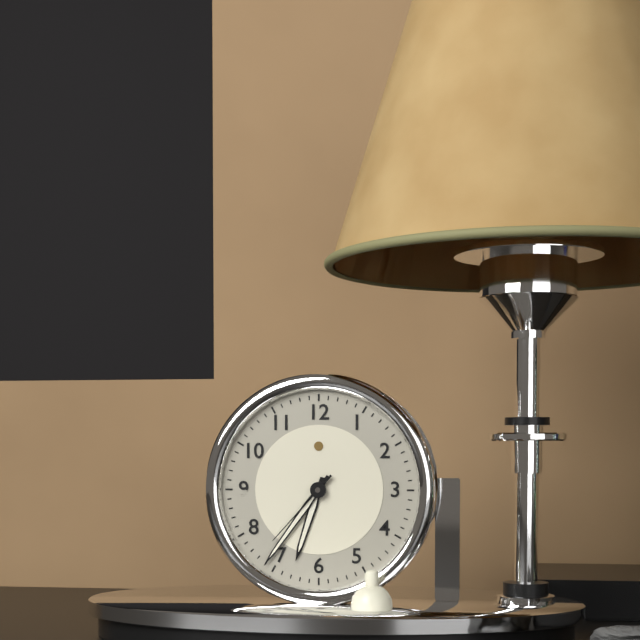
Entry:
**6:36:37**
